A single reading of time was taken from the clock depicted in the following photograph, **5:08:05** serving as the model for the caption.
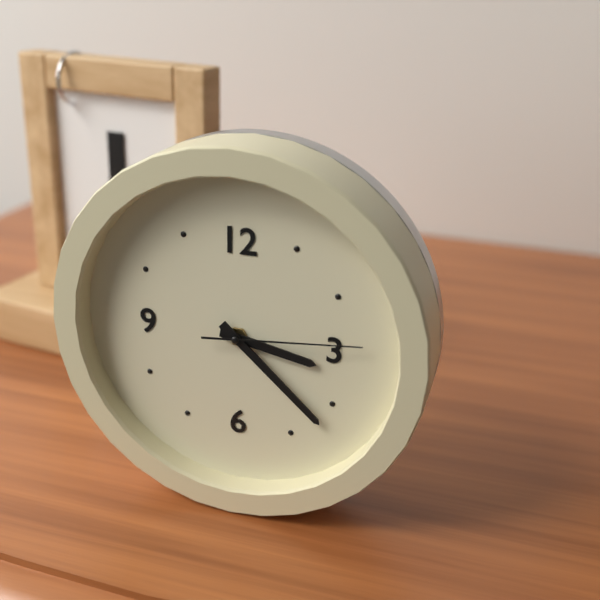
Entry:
**3:22:14**
